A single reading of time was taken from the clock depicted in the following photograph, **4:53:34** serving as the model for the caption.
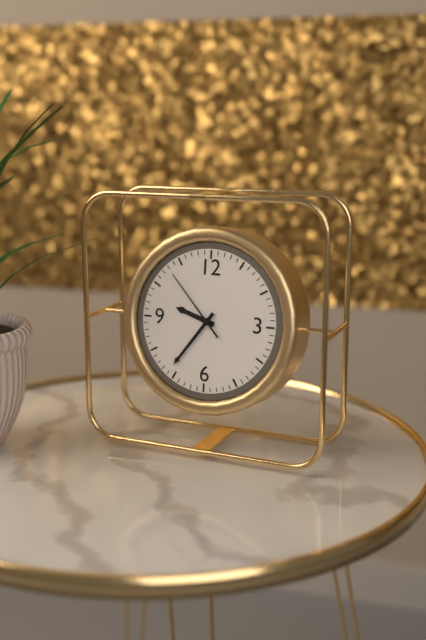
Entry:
**9:36:53**
